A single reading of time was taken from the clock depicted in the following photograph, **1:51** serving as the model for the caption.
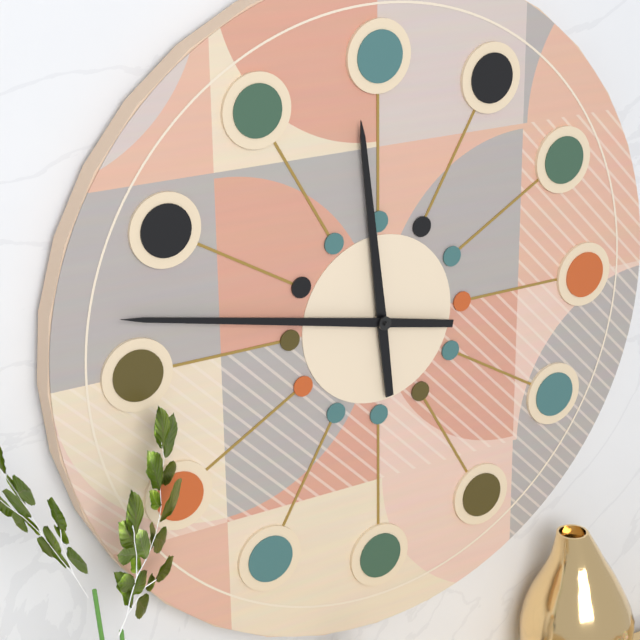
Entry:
**11:47**
